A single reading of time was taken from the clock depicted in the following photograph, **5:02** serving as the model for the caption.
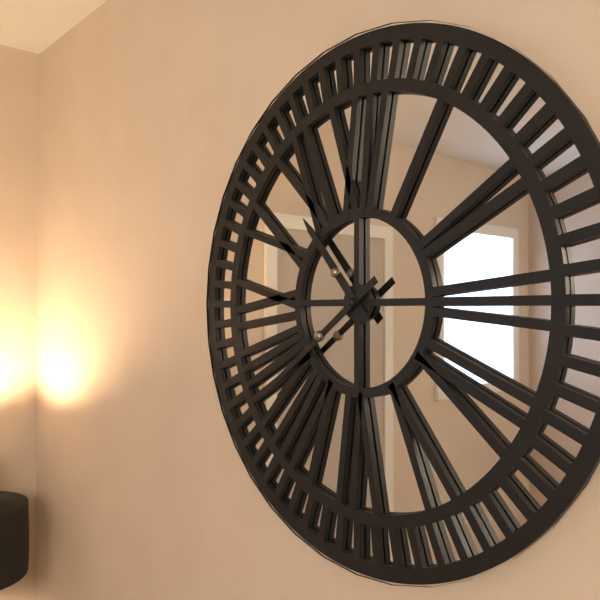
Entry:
**10:39**
